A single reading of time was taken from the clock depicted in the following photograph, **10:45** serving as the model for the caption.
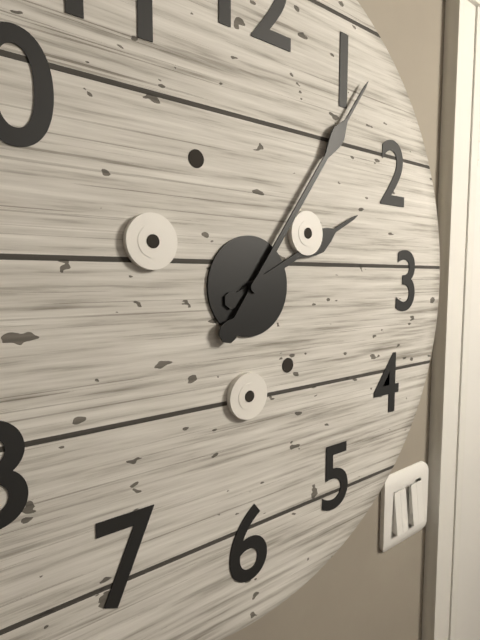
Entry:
**2:06**
